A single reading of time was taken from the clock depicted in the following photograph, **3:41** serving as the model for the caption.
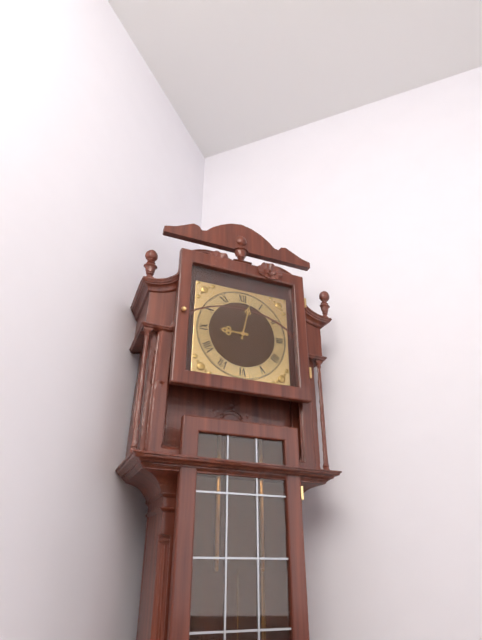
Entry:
**9:02**
